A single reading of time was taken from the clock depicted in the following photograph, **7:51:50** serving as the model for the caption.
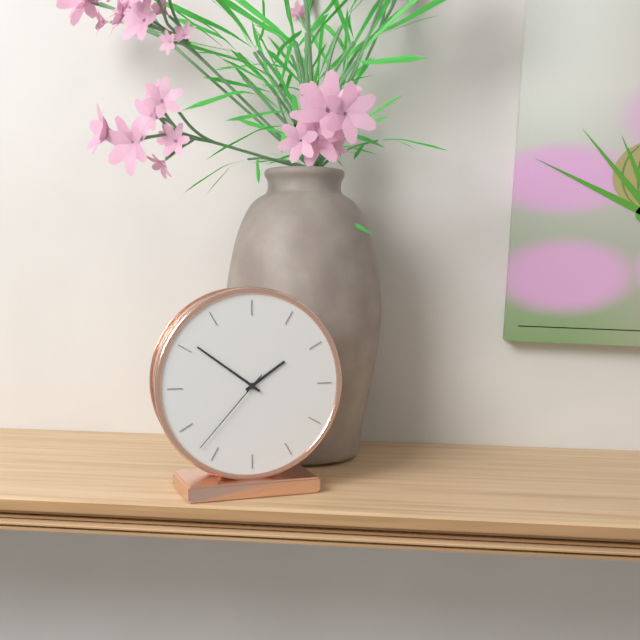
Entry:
**1:51:37**
